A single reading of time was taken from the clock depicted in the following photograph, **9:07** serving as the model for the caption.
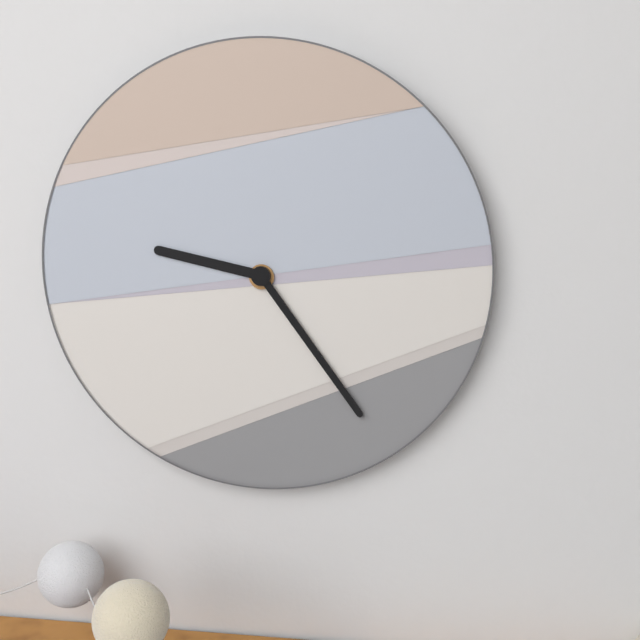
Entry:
**9:24**
